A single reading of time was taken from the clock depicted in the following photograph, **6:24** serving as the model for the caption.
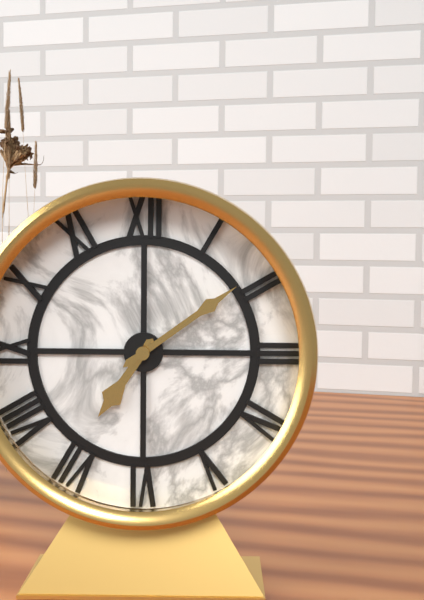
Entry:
**7:09**
